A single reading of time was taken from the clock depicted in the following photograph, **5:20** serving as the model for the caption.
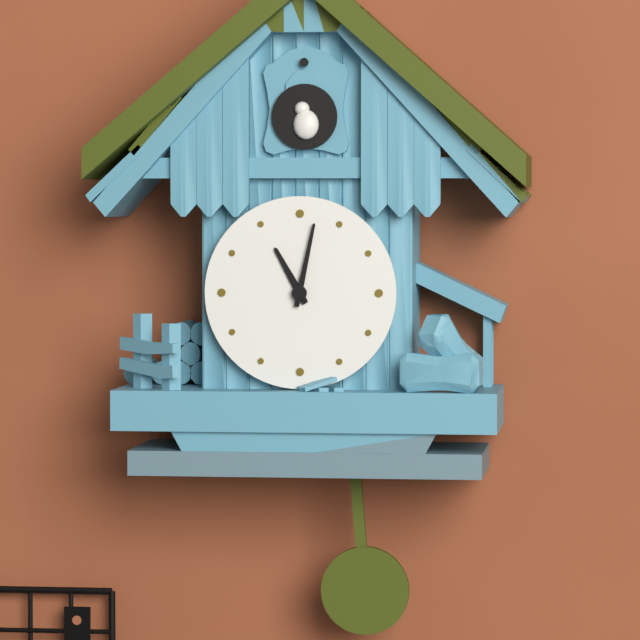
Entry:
**11:02**
